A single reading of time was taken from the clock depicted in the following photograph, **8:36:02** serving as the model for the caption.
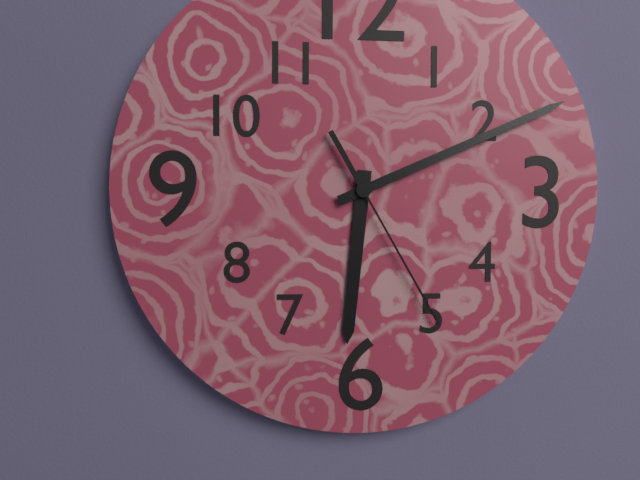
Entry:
**6:11:25**
